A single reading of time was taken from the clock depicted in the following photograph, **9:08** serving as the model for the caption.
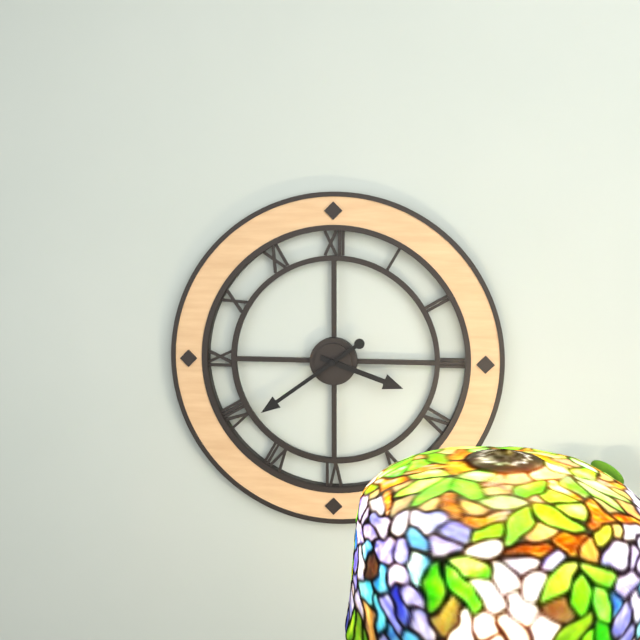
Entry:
**3:39**
